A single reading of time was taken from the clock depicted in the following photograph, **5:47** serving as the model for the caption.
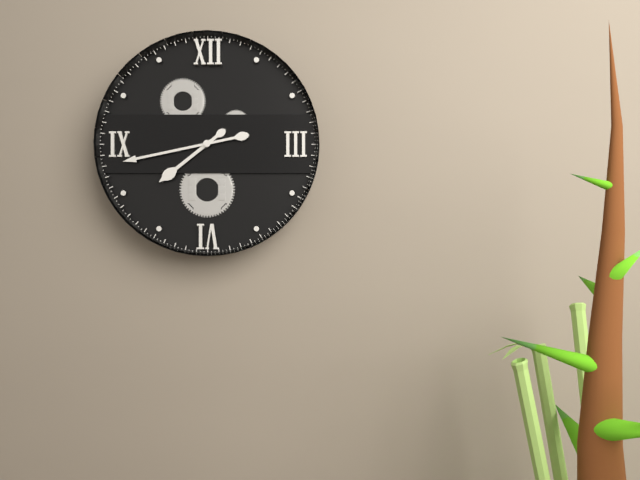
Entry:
**7:43**
